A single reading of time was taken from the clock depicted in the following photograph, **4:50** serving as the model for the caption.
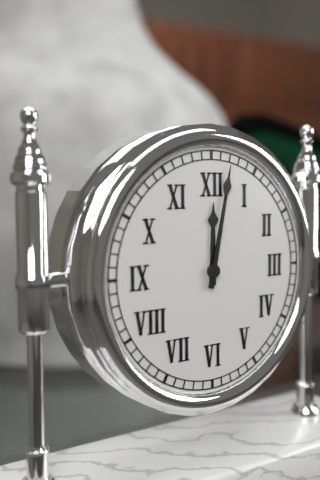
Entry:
**12:02**
